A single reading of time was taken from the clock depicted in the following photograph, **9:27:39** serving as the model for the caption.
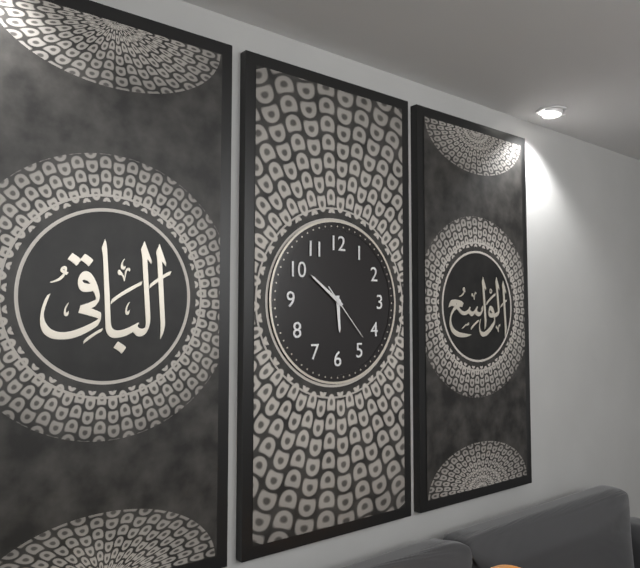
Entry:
**5:51:23**
